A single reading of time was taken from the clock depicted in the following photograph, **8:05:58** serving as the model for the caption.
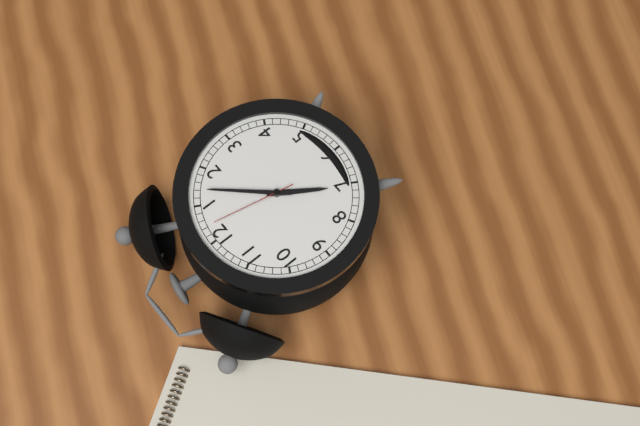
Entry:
**7:07:02**
